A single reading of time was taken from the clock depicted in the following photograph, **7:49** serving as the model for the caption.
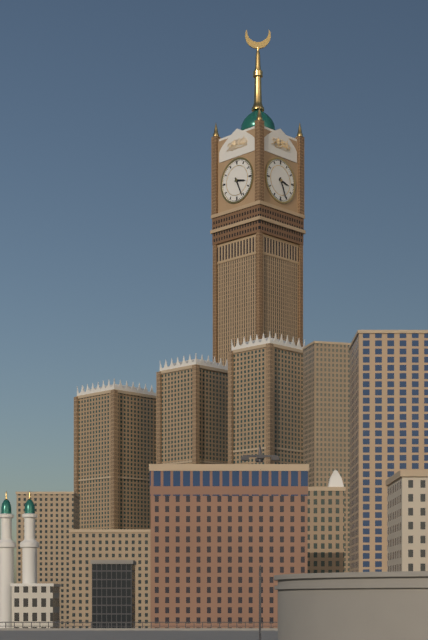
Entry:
**3:26**
